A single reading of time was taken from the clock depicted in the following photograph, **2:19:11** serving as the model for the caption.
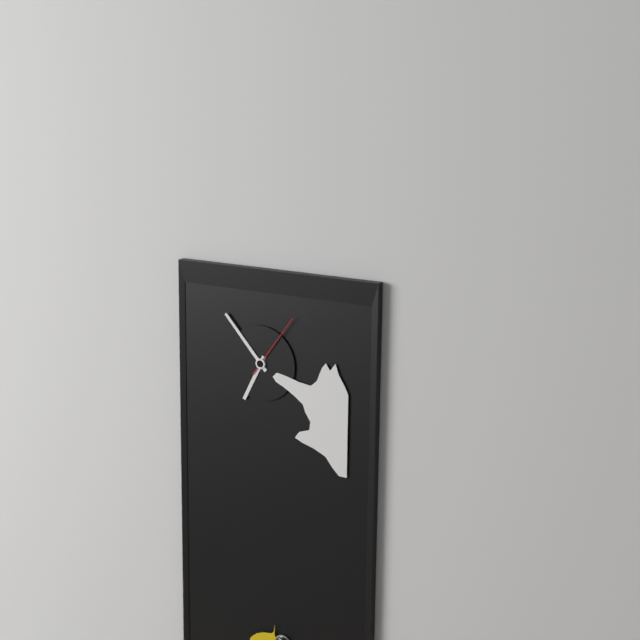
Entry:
**6:53:06**
